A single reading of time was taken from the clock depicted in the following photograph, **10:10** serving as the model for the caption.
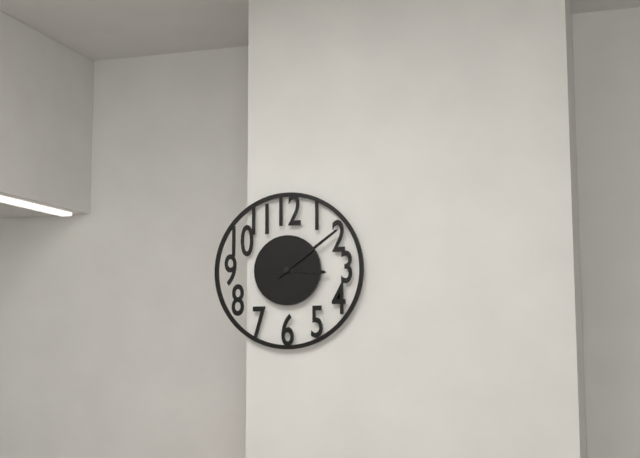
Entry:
**3:09**
